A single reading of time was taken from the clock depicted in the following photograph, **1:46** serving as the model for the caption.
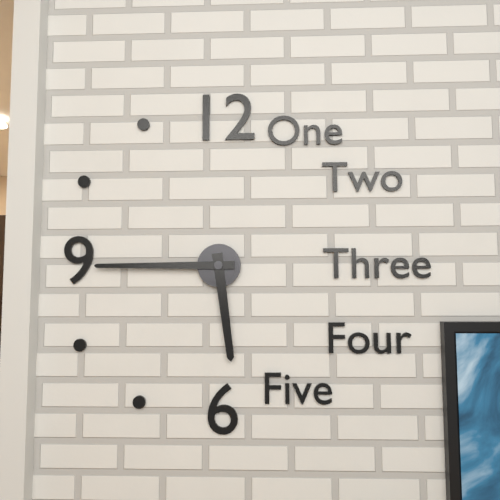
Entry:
**5:45**
